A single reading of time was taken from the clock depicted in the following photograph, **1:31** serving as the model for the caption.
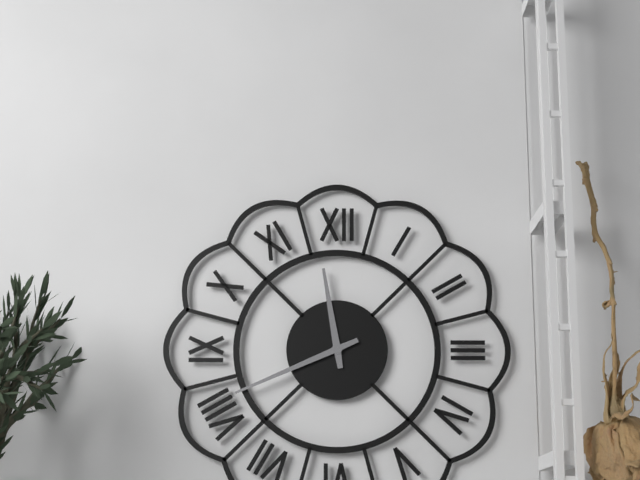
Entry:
**11:41**
